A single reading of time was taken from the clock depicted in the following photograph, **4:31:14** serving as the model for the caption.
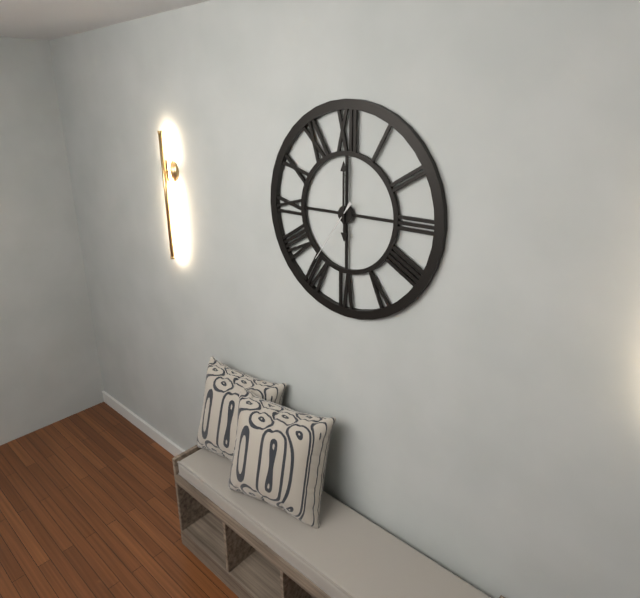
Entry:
**6:00:36**
